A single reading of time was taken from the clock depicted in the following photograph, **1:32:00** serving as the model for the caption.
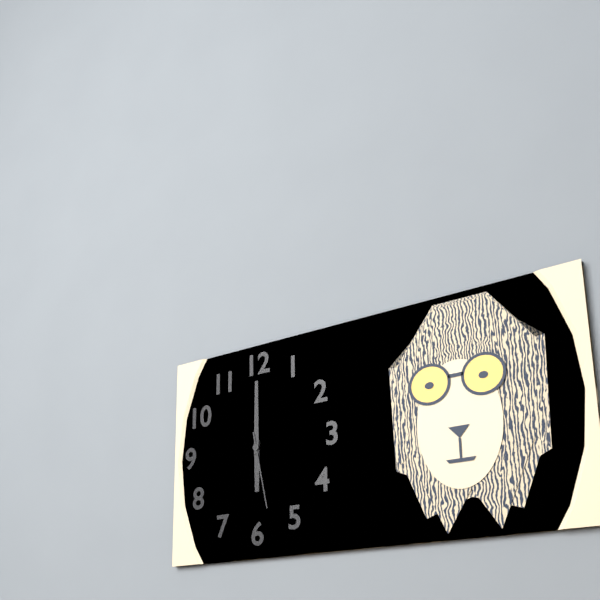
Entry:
**6:00:28**
